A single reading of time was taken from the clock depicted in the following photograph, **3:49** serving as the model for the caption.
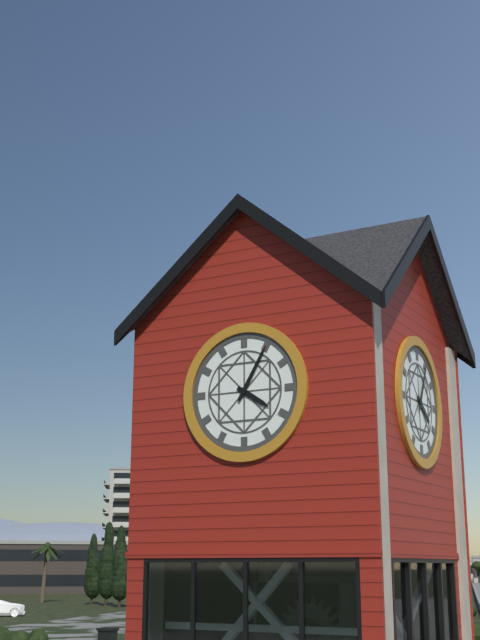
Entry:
**4:05**
